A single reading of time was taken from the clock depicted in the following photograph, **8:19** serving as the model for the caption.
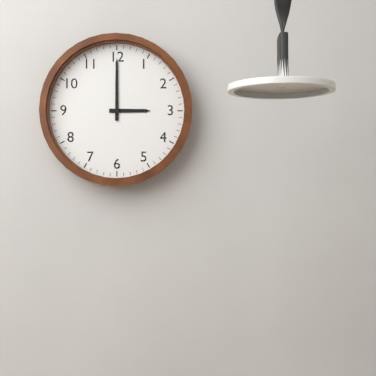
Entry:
**3:00**
